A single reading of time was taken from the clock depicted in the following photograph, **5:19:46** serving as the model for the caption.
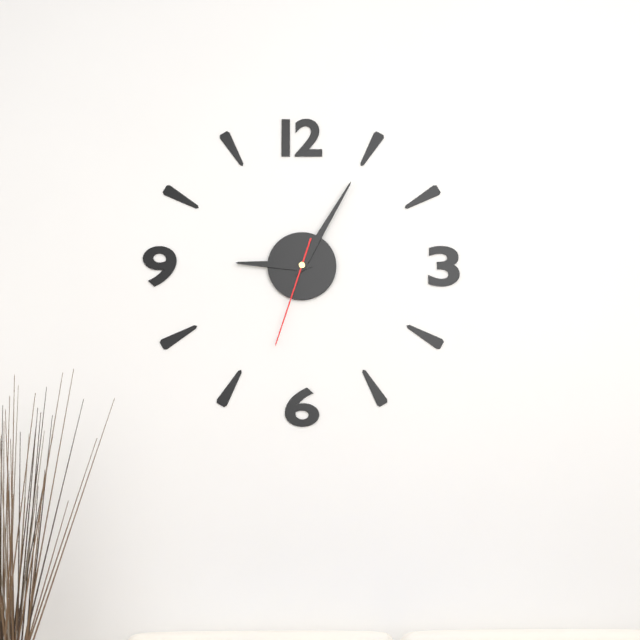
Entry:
**9:05:33**
